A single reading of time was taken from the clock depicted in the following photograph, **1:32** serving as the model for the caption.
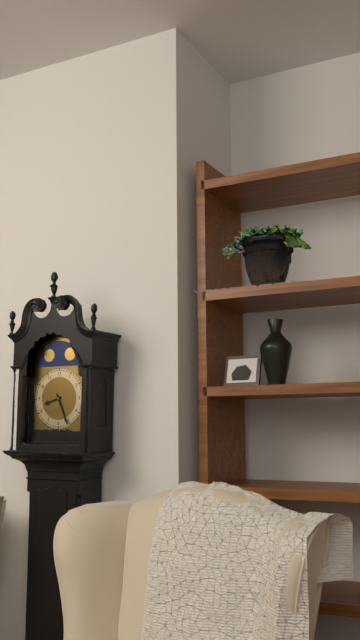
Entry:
**8:26**
